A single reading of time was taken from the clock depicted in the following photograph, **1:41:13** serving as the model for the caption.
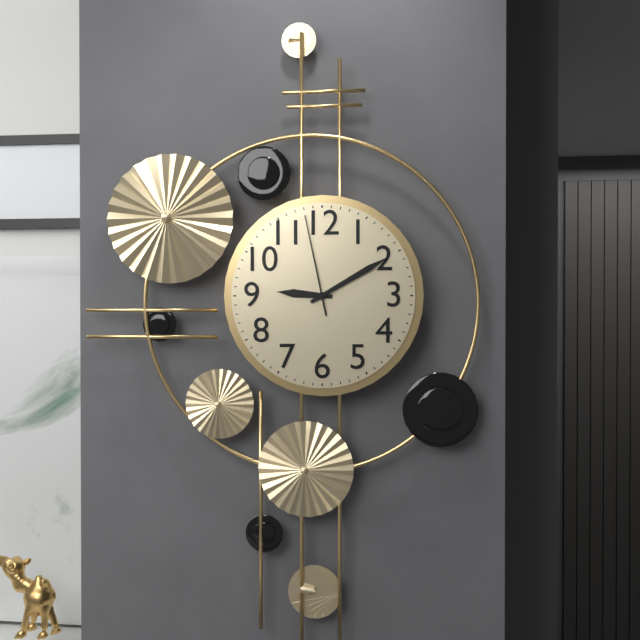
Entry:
**9:10:58**
